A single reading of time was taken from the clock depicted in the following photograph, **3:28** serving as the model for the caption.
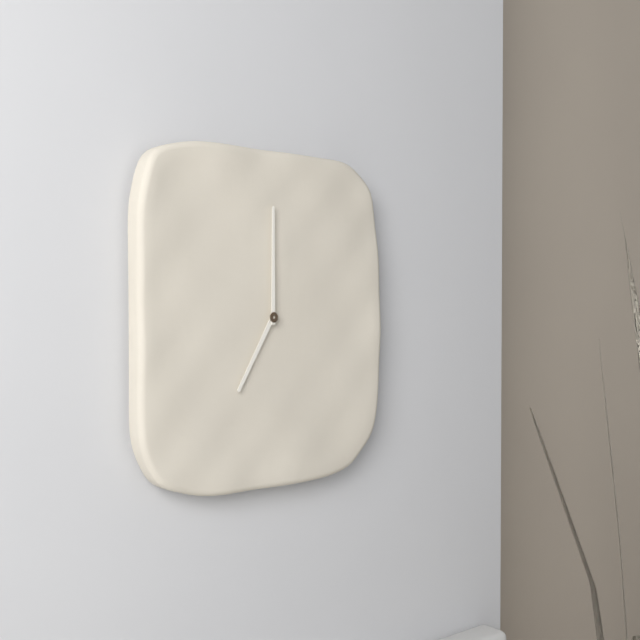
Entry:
**7:00**
